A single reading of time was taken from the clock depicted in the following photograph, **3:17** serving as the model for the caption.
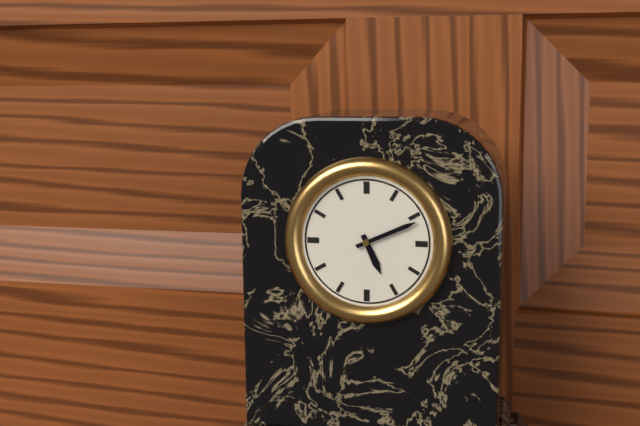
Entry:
**5:11**
